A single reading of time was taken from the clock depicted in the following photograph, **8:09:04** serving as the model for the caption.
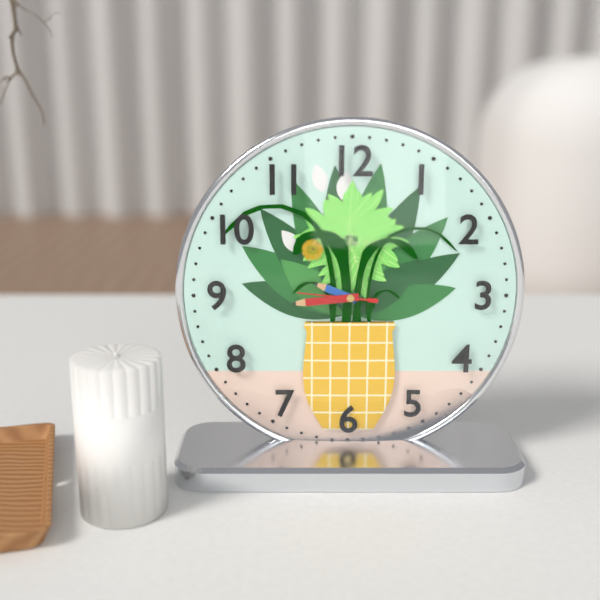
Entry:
**9:44:46**
